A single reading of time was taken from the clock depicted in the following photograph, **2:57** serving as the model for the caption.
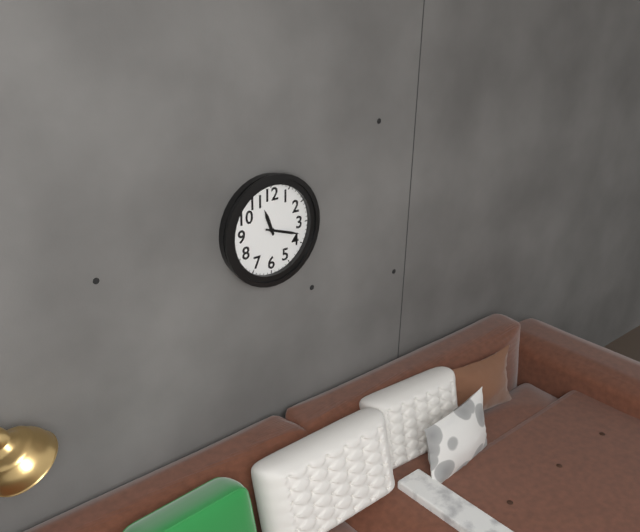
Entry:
**11:18**
